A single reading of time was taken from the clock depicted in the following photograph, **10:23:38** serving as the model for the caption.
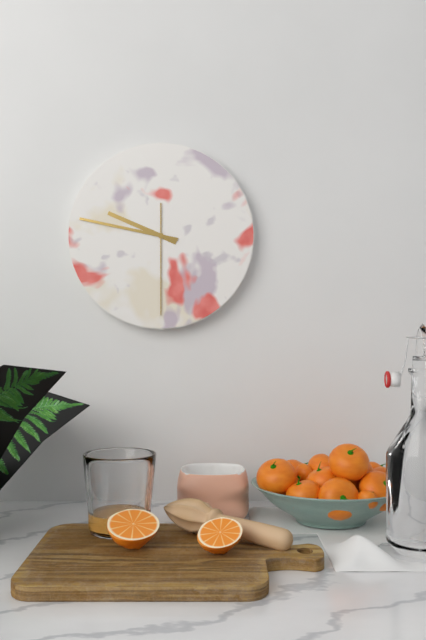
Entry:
**9:47:30**
